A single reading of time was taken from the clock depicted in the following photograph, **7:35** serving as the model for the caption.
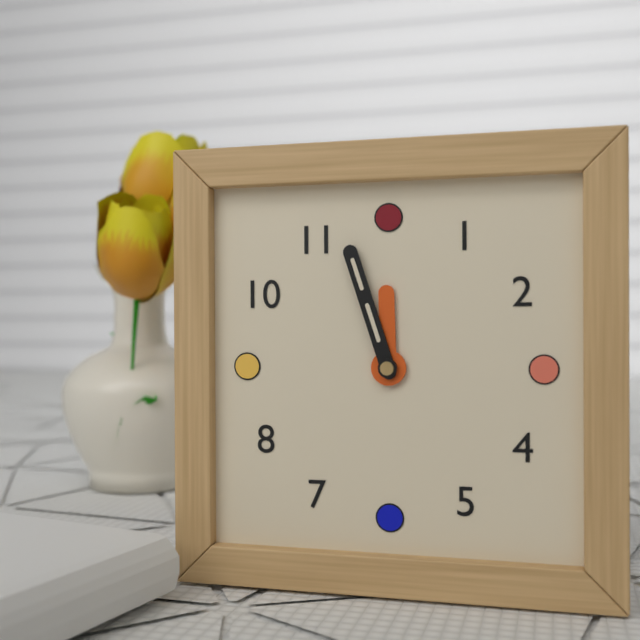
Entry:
**11:57**
